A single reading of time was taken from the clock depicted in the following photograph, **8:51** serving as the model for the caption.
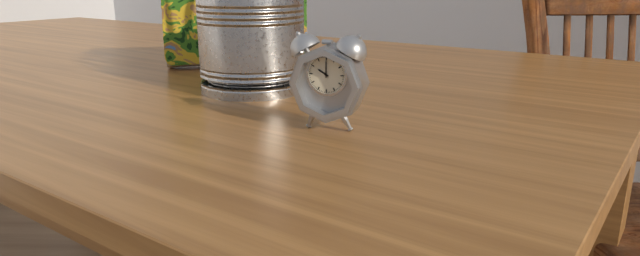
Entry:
**10:00**
